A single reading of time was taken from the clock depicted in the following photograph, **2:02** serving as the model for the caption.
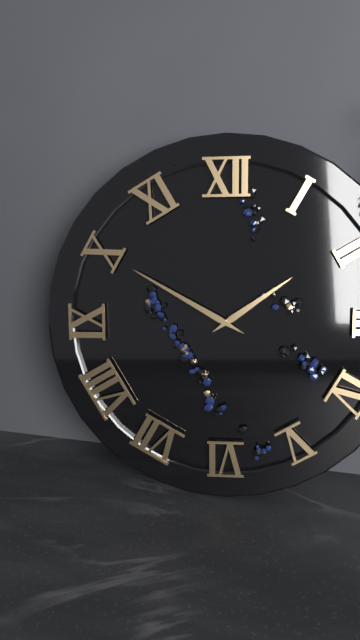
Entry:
**1:50**
